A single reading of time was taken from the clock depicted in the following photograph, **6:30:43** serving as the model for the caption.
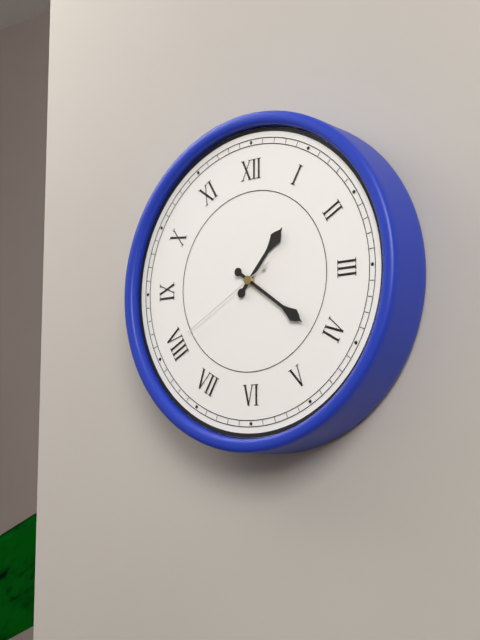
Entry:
**1:21:40**
